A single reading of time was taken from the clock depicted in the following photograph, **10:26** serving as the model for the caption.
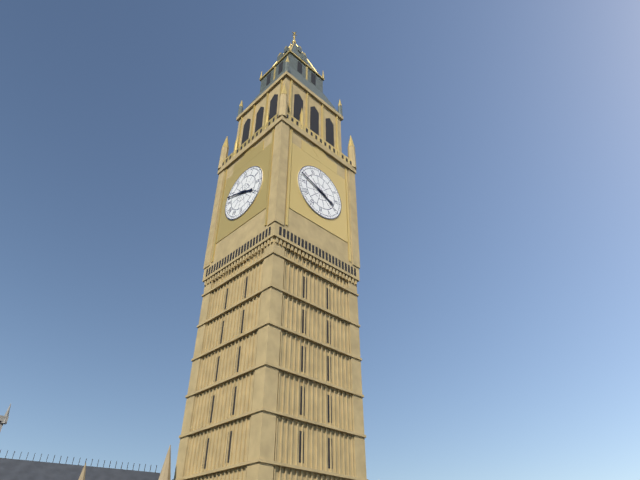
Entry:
**3:48**
